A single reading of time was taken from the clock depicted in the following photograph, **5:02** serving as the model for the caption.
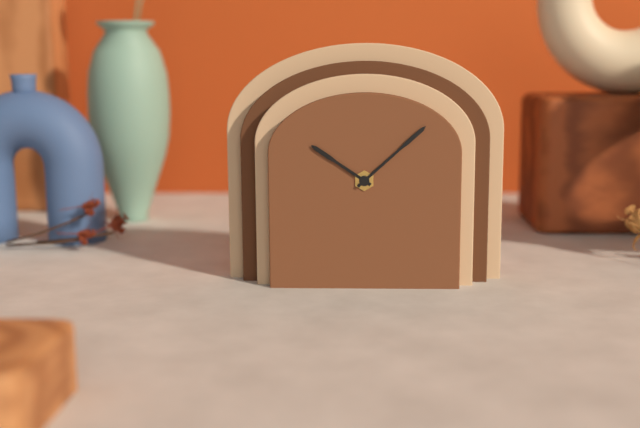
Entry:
**10:08**
